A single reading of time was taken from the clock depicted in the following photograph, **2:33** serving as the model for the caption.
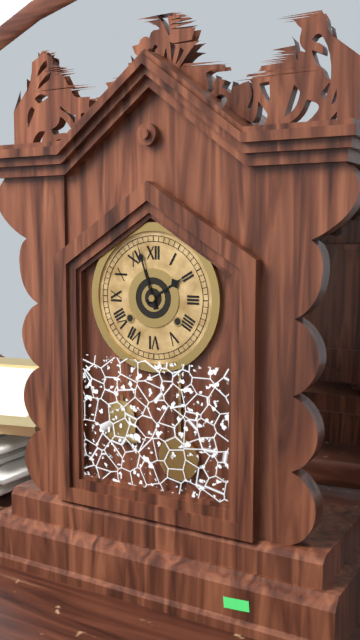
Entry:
**1:57**
